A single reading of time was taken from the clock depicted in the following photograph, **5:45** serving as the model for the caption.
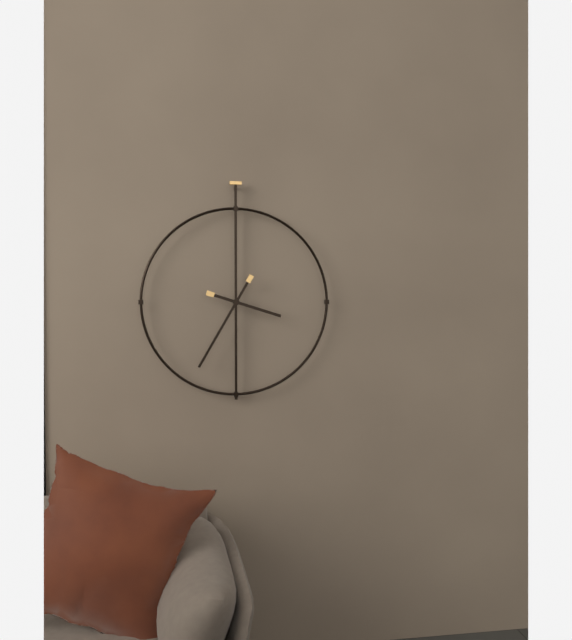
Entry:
**3:35**
